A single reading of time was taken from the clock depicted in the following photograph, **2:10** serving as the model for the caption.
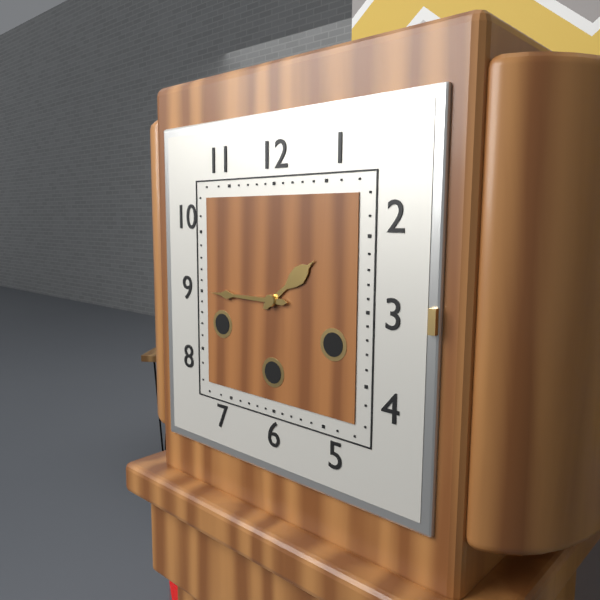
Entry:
**1:45**
